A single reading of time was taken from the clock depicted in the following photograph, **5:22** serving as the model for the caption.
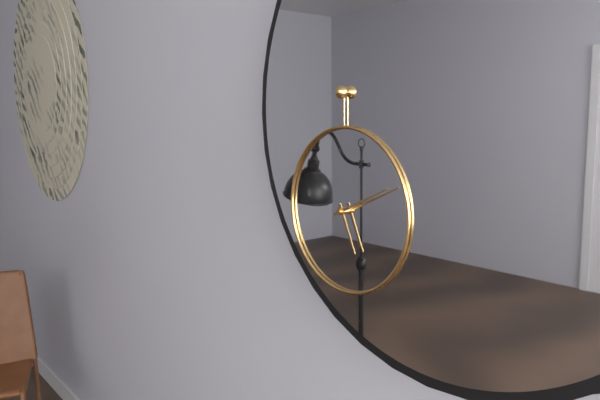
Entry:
**5:11**
